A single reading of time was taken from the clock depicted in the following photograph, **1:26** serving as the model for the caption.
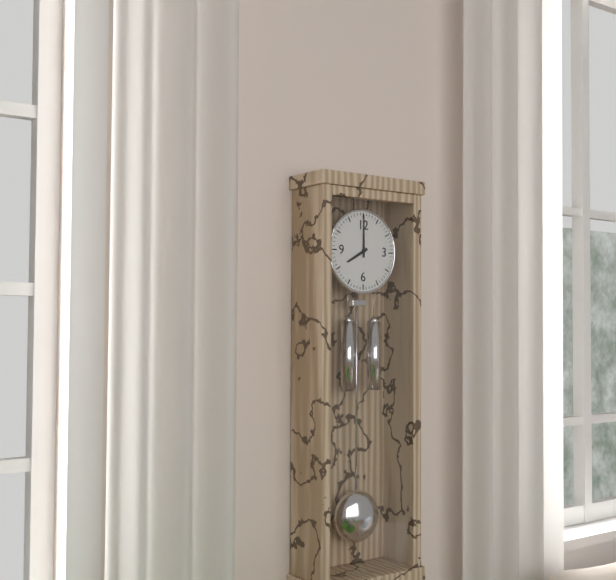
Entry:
**8:00**
